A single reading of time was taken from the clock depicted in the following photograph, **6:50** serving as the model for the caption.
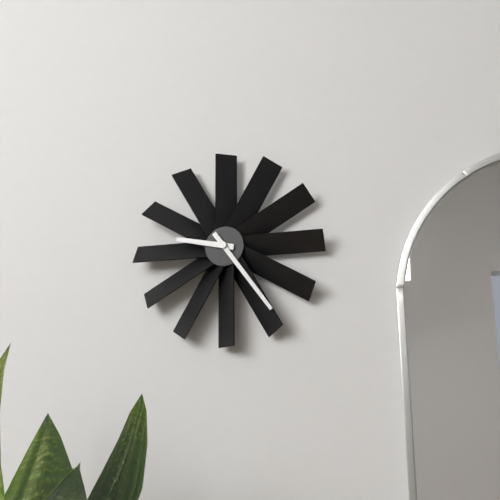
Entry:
**9:24**
